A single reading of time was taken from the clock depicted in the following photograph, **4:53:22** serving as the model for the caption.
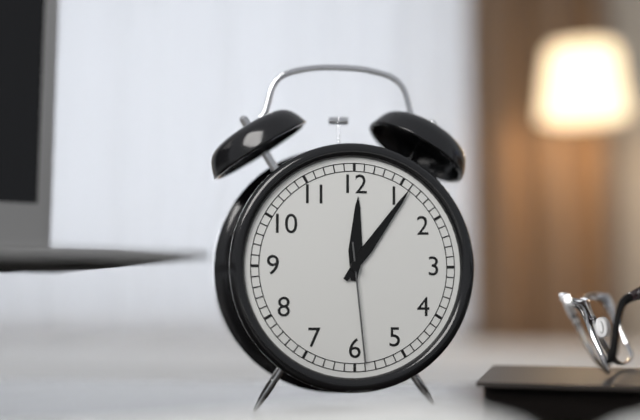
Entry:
**12:06:29**
